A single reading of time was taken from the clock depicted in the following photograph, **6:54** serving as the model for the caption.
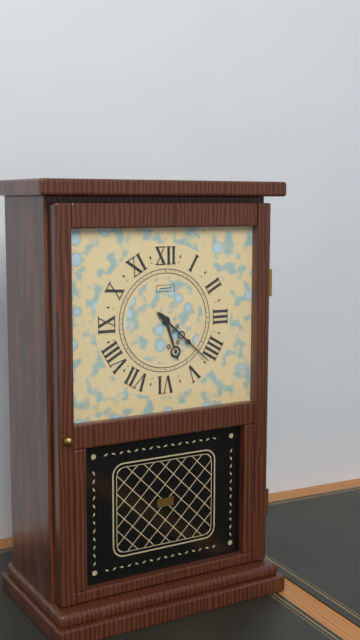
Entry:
**5:22**
